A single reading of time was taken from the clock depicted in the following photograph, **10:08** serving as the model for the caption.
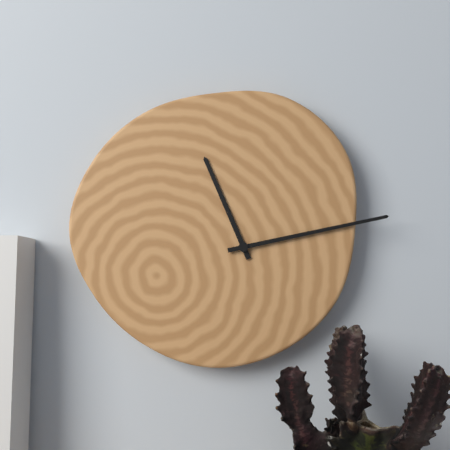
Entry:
**11:13**
